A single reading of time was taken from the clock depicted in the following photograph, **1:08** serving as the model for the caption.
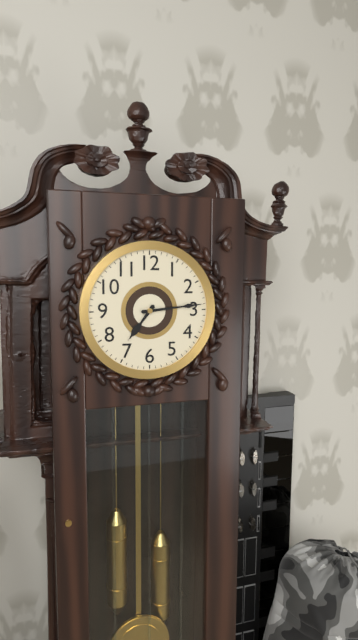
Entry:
**7:14**
